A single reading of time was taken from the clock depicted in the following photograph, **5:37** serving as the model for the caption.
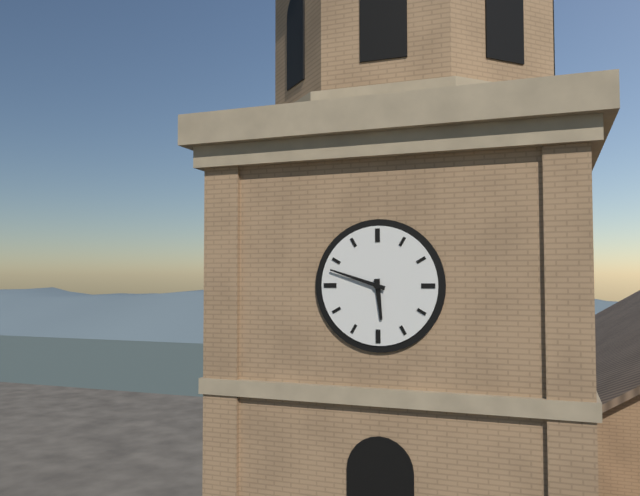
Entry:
**5:48**
